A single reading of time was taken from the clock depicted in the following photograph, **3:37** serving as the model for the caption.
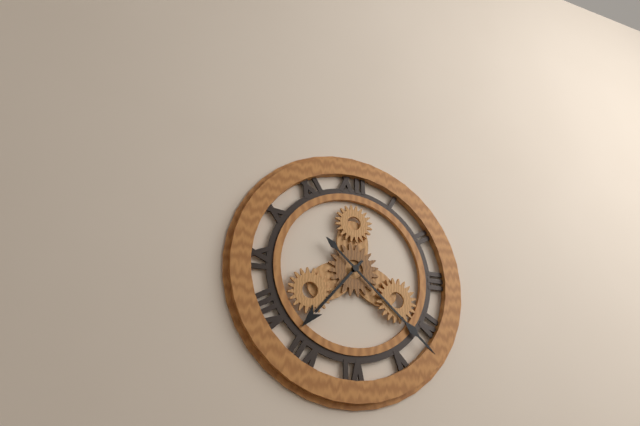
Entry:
**7:22**
